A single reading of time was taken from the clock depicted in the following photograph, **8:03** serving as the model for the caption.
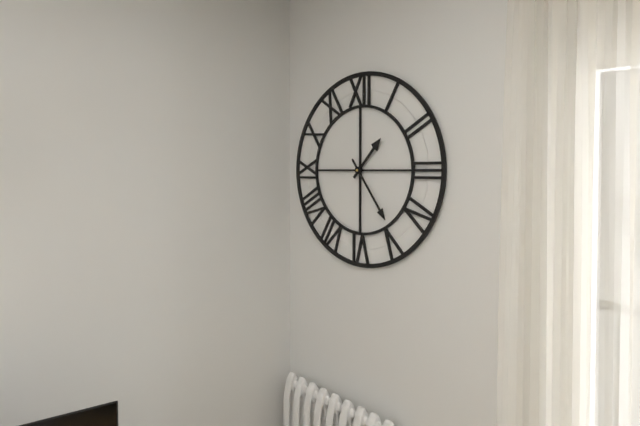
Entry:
**1:24**
